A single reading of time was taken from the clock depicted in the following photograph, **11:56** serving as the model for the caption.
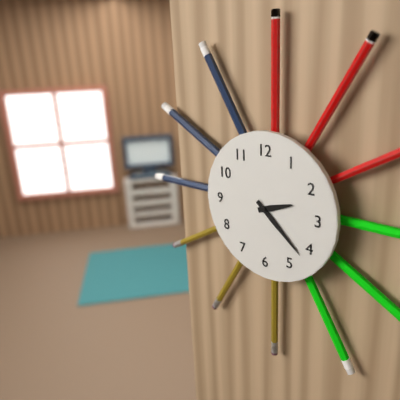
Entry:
**2:22**
